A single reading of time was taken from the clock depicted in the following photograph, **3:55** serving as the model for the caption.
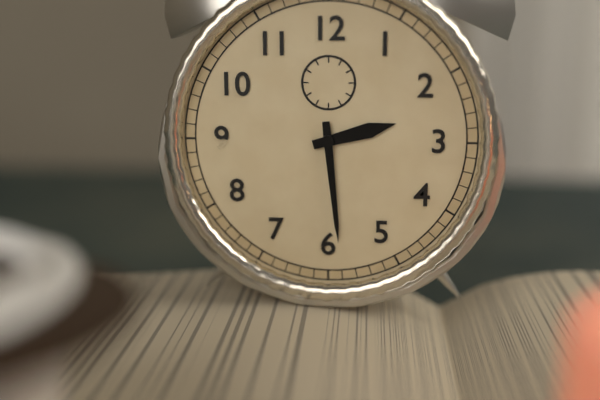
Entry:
**2:29**
